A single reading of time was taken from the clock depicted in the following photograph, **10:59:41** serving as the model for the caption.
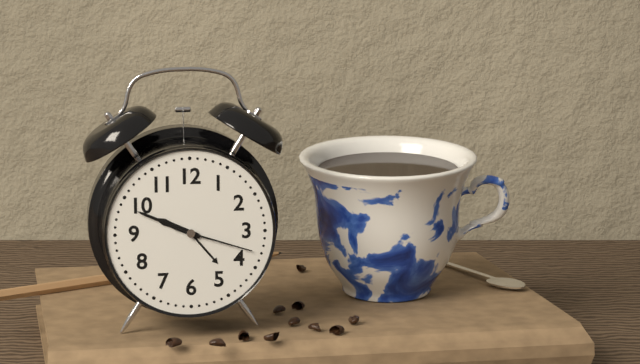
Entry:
**9:49:18**
